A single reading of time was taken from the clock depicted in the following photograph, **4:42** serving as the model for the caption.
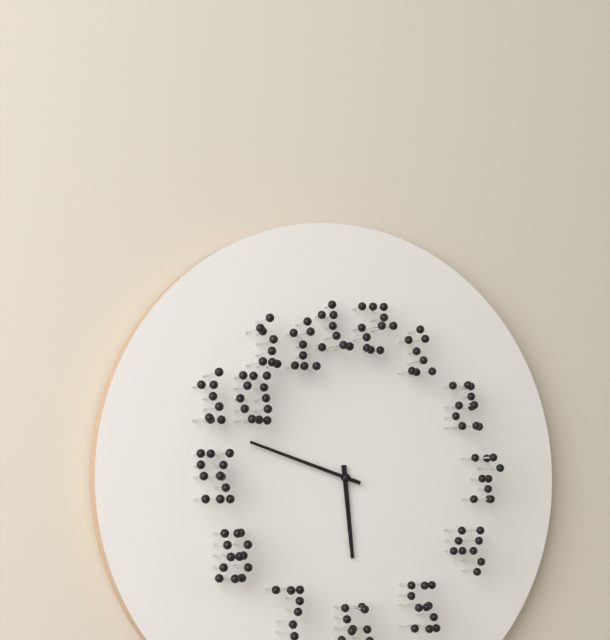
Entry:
**5:48**
